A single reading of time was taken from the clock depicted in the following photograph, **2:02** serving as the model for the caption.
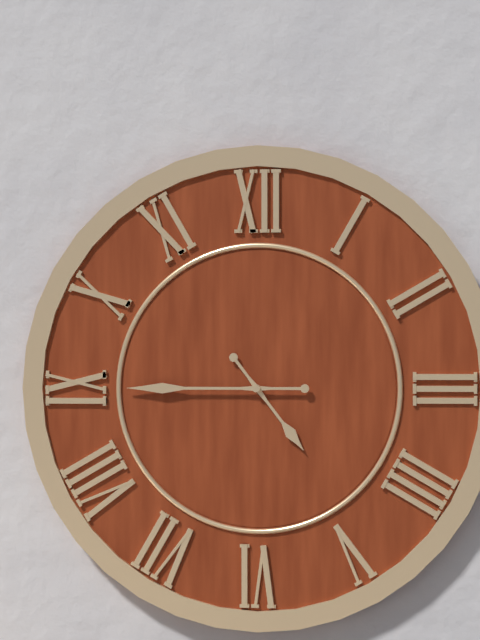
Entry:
**4:45**
